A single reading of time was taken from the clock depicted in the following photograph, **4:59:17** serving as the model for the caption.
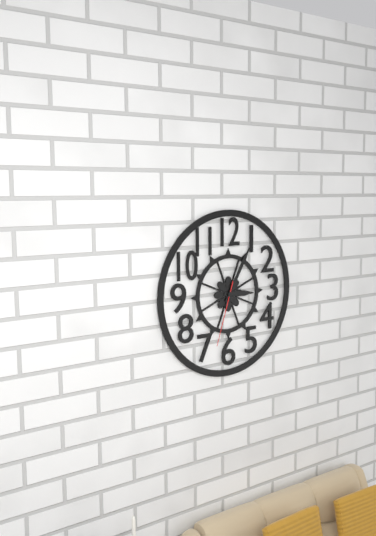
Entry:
**3:05:33**
